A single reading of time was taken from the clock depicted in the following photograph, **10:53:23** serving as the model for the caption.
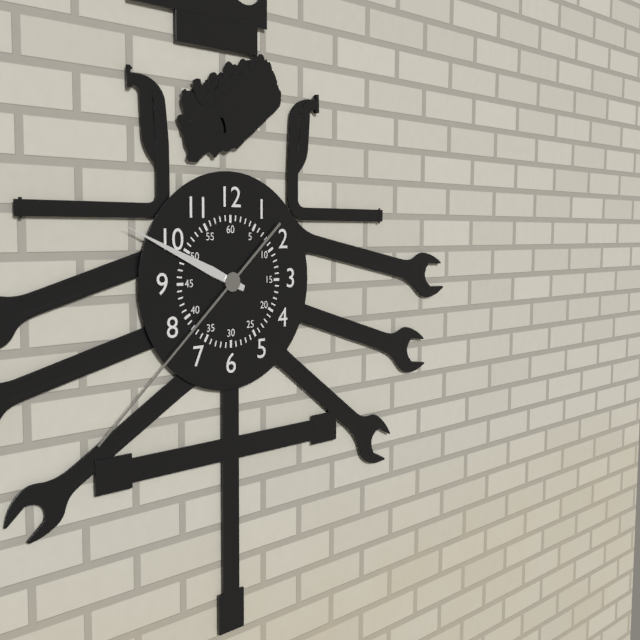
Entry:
**9:49:38**
